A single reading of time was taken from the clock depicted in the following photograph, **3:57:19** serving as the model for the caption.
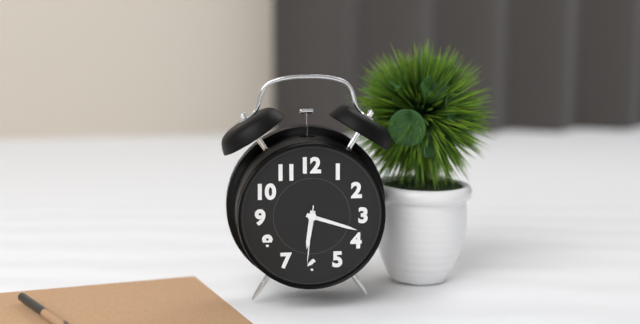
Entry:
**6:18:31**
